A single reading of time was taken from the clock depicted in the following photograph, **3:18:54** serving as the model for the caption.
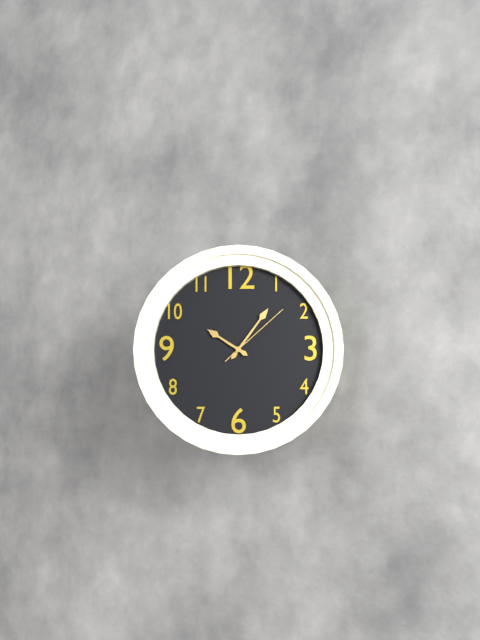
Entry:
**10:06:08**
